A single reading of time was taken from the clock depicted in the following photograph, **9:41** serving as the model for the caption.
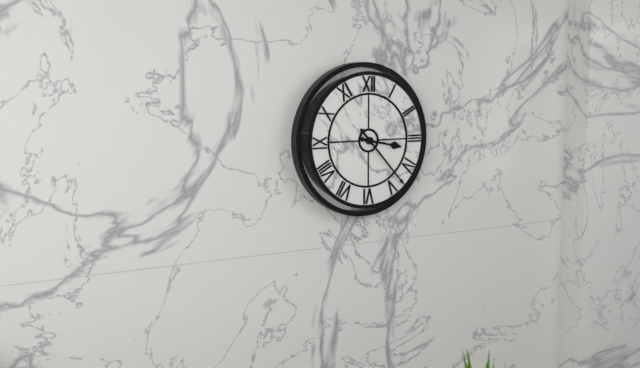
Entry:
**3:23**
